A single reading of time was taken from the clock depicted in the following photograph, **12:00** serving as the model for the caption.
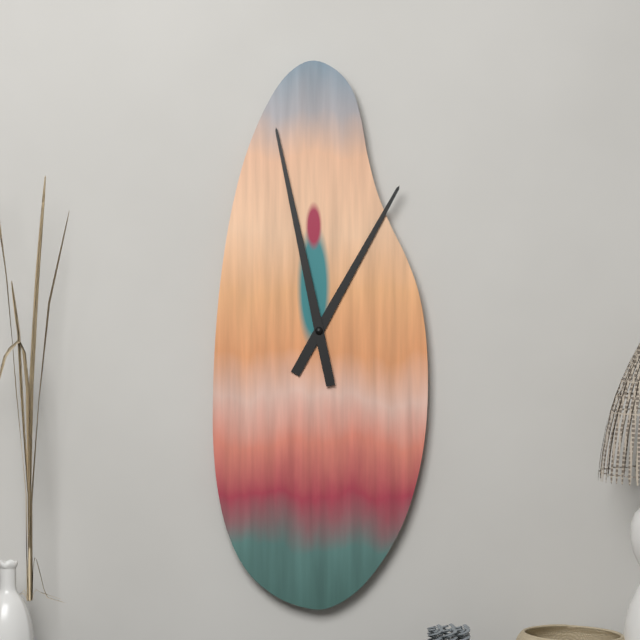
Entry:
**12:58**
